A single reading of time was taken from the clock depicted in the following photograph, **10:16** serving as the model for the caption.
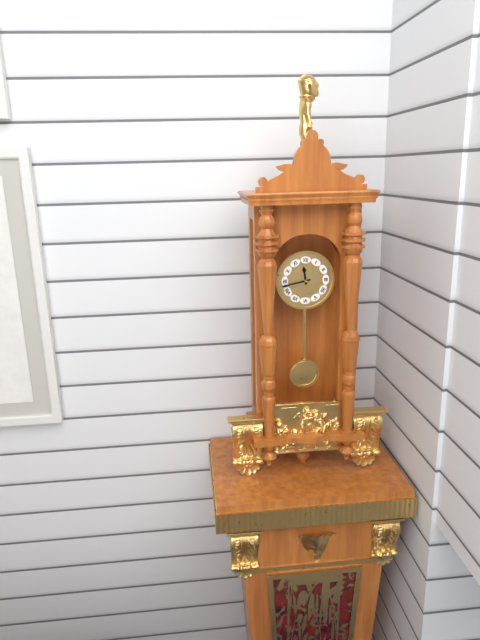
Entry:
**11:43**
